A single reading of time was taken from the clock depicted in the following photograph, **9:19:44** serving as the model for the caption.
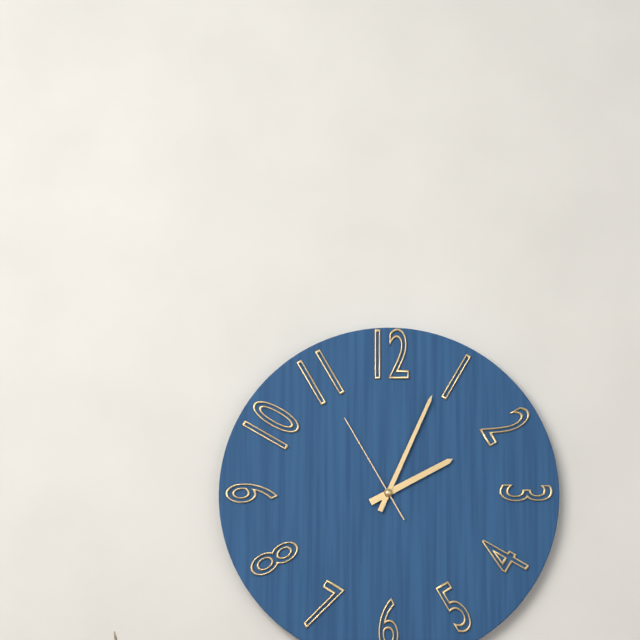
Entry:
**2:04:55**
